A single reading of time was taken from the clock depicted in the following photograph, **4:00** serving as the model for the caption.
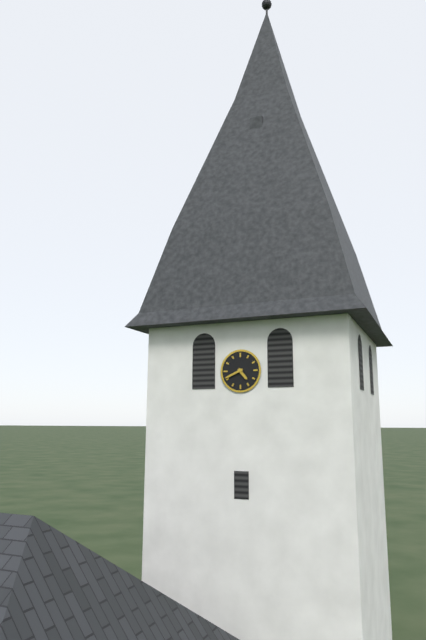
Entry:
**4:41**
